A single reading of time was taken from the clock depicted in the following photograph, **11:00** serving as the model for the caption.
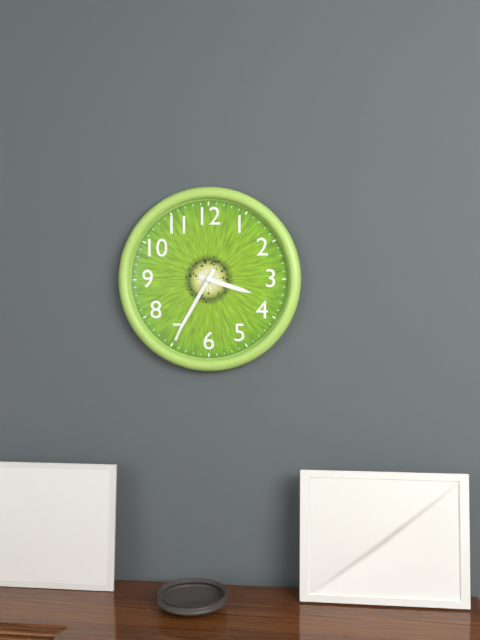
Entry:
**3:35**
